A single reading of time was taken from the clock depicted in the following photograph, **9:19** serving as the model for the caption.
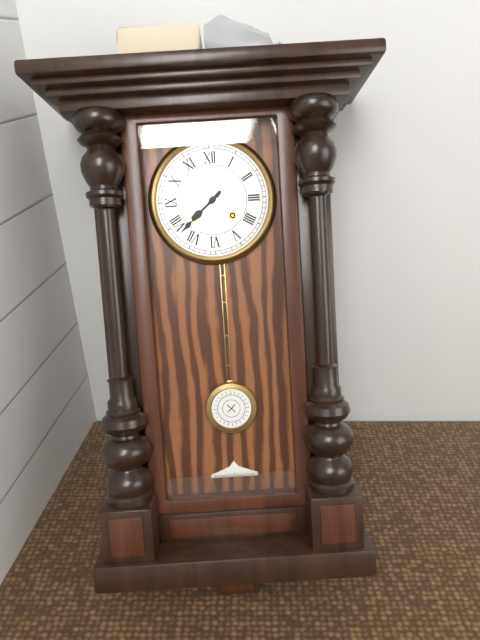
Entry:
**7:38**
